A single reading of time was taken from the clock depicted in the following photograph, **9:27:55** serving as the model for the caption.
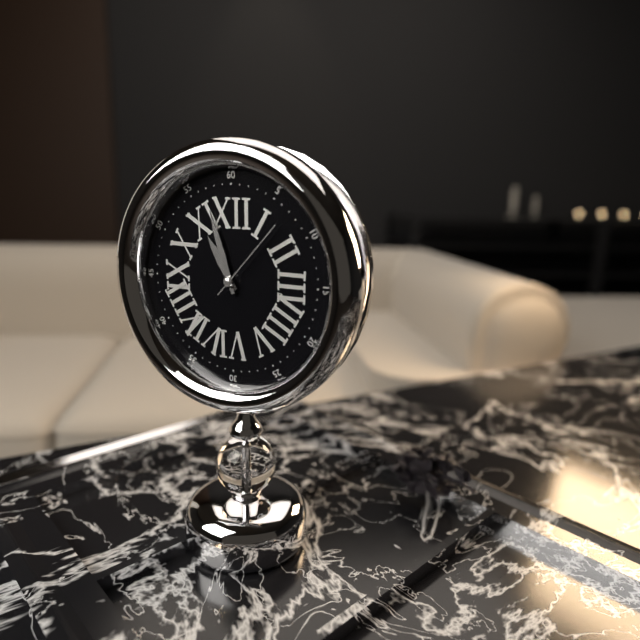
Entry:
**10:57:07**
